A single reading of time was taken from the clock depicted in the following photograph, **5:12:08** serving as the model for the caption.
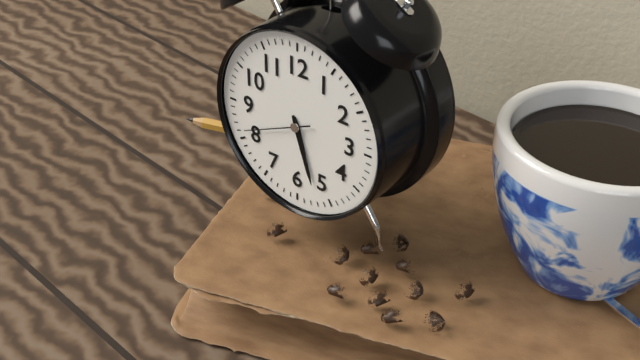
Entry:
**5:27:41**
